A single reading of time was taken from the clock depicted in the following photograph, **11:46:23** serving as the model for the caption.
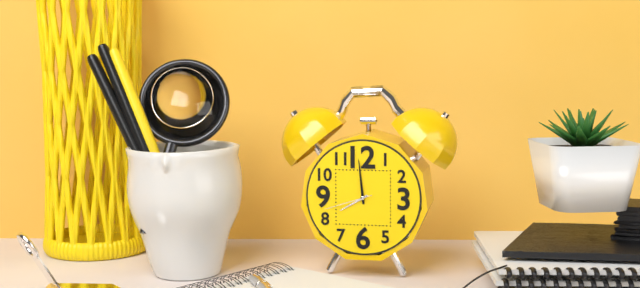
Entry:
**7:59:42**
